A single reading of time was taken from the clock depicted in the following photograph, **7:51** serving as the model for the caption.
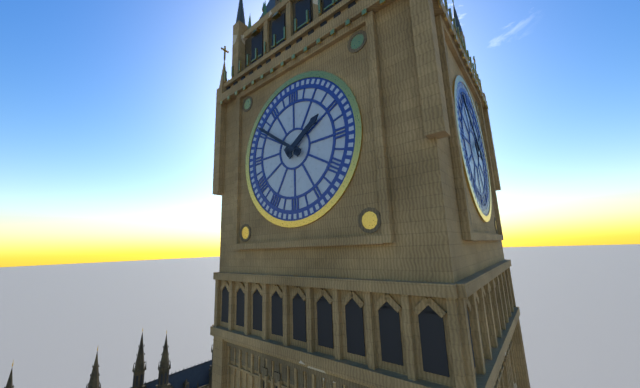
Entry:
**1:51**
